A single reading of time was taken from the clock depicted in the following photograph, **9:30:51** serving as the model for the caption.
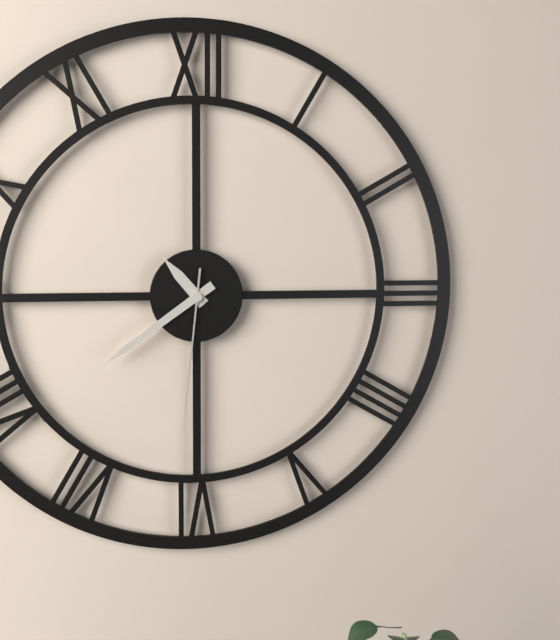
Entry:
**10:39:31**
